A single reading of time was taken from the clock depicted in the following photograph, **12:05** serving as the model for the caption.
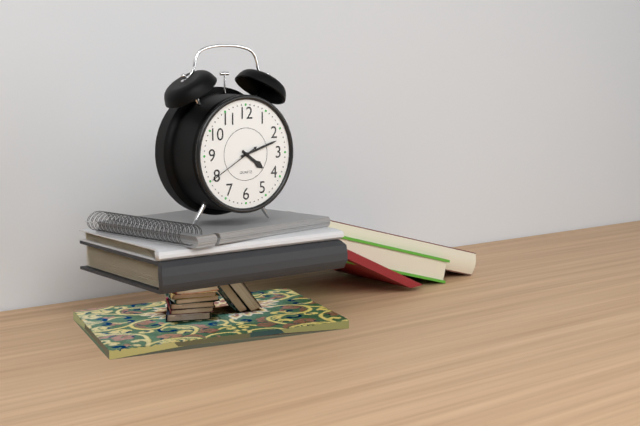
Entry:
**4:12**
